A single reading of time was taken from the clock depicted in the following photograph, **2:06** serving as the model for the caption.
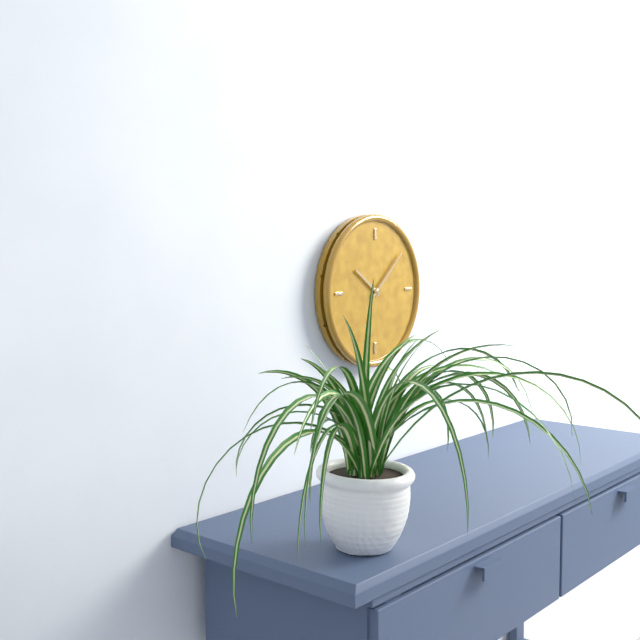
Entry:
**10:08**
